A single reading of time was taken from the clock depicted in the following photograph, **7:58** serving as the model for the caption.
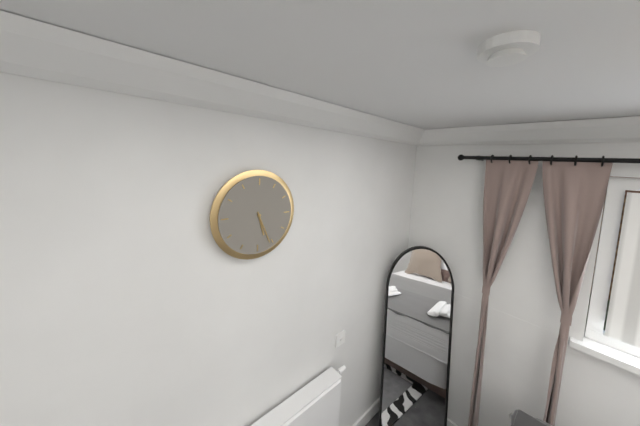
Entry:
**5:26**
